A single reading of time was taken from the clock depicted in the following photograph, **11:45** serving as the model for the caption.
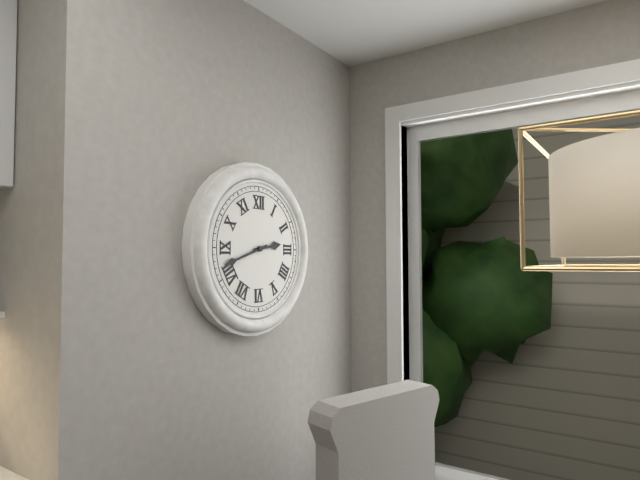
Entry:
**2:42**
